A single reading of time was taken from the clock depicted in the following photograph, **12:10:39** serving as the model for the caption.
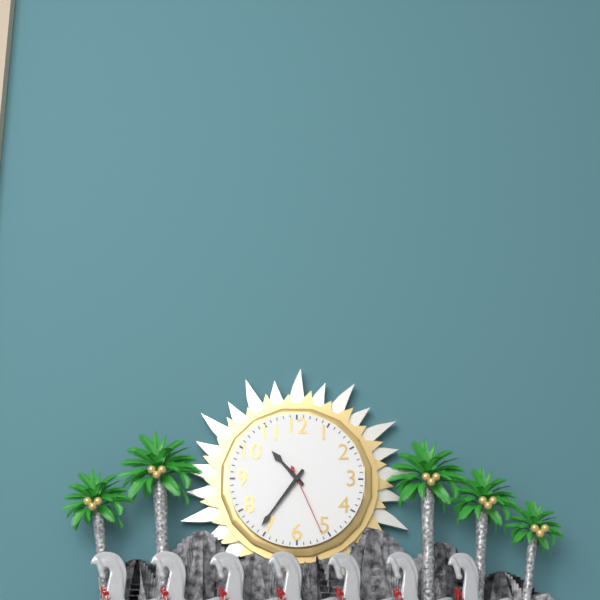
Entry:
**10:36:26**
